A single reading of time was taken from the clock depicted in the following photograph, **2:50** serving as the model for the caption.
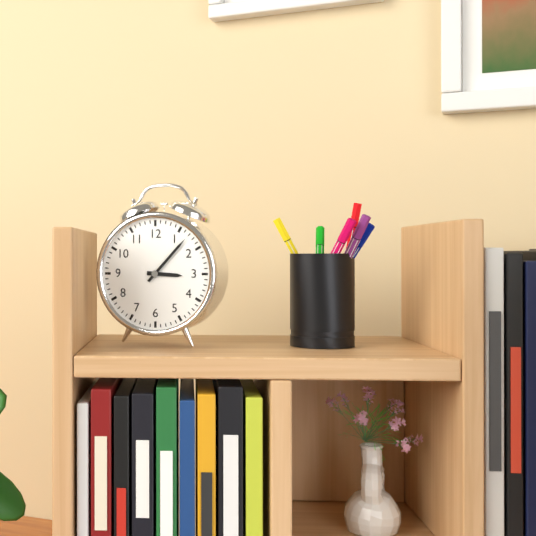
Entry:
**3:07**
